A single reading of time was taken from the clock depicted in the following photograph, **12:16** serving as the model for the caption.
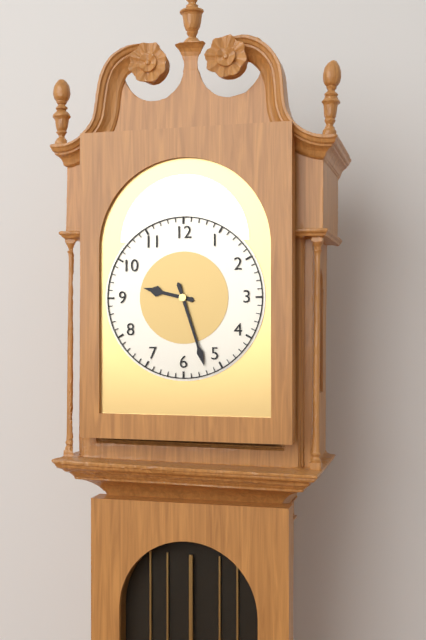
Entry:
**9:27**
